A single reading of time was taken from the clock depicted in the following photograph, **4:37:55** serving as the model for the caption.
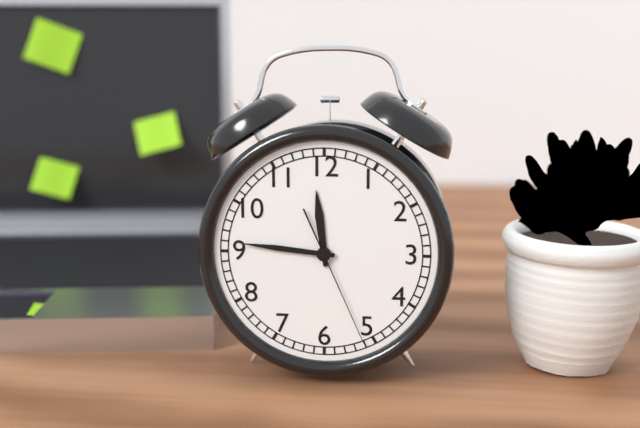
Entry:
**11:46:26**
